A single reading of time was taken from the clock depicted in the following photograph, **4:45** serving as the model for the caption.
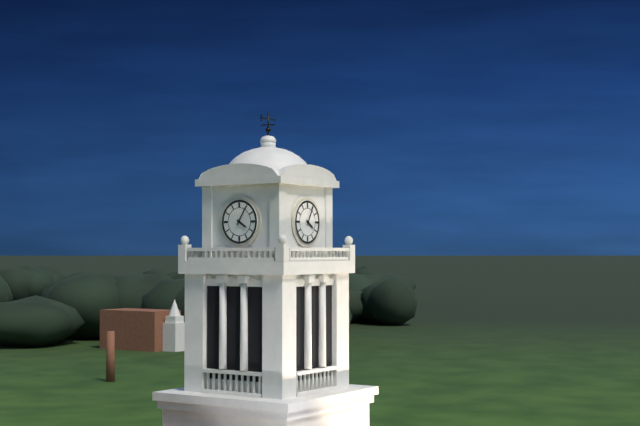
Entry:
**4:05**
